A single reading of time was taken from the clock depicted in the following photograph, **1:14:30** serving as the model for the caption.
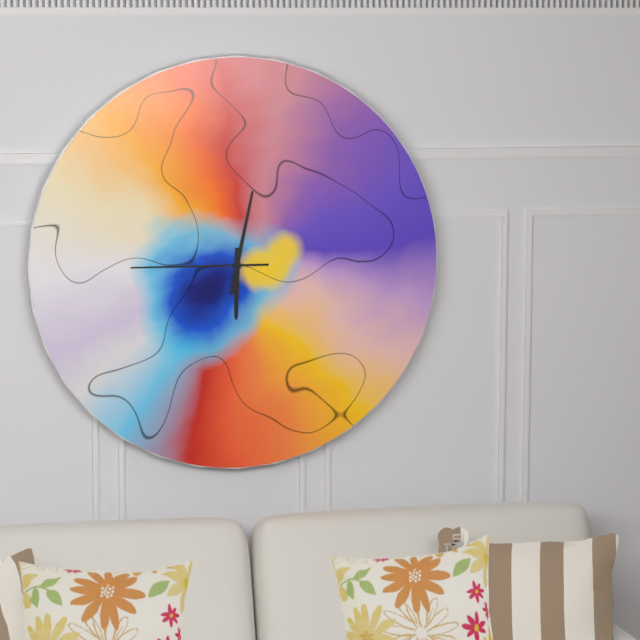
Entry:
**6:02:45**
